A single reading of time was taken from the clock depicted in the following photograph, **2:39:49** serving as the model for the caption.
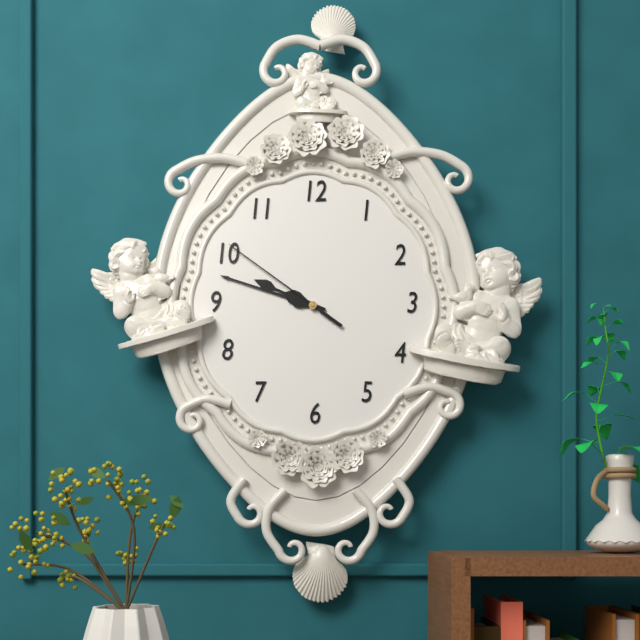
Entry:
**9:48:51**
